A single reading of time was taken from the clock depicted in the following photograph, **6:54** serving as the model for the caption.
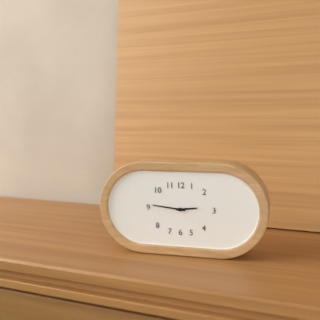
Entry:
**2:46**
